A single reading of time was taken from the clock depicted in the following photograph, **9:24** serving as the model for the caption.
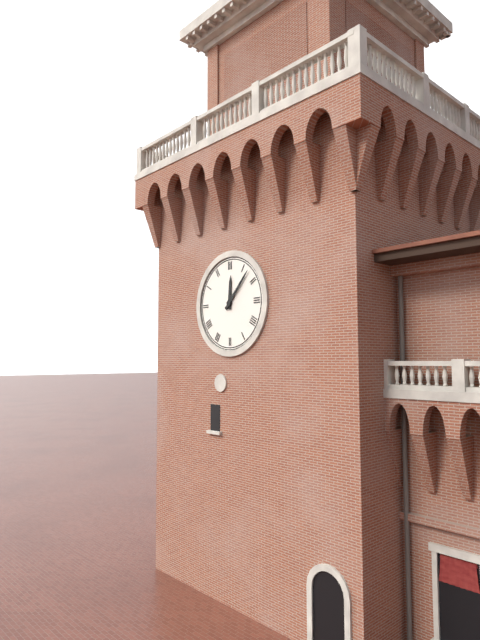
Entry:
**12:07**
